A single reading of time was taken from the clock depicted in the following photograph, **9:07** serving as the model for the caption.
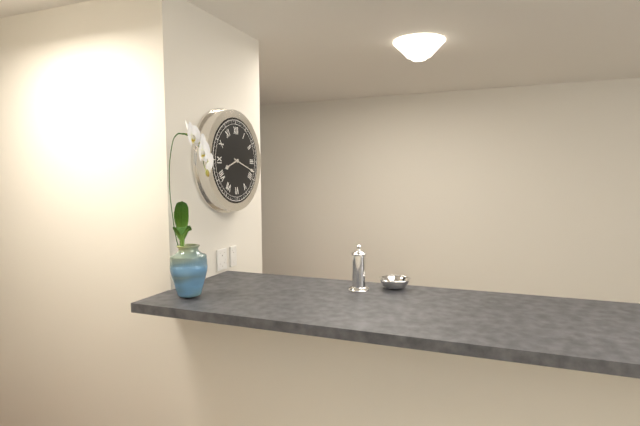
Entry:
**8:18**
